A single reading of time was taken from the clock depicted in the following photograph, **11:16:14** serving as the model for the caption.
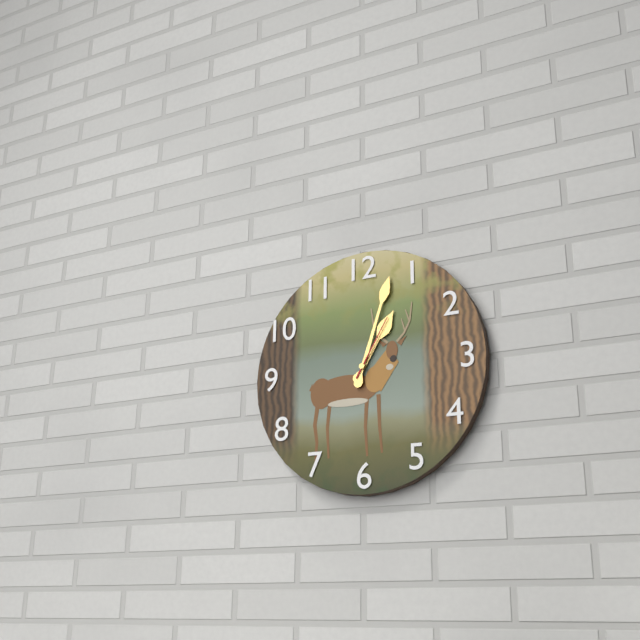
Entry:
**1:03:05**
